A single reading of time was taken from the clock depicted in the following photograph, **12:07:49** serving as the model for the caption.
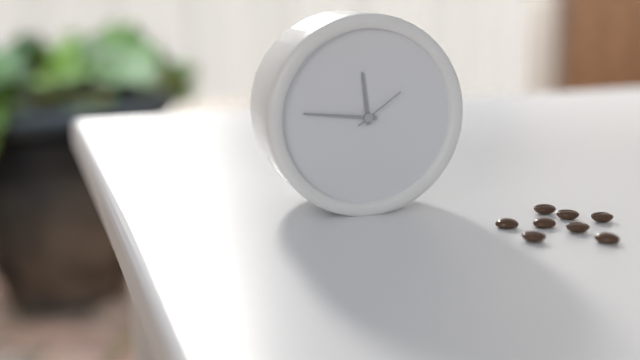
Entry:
**11:46:09**
